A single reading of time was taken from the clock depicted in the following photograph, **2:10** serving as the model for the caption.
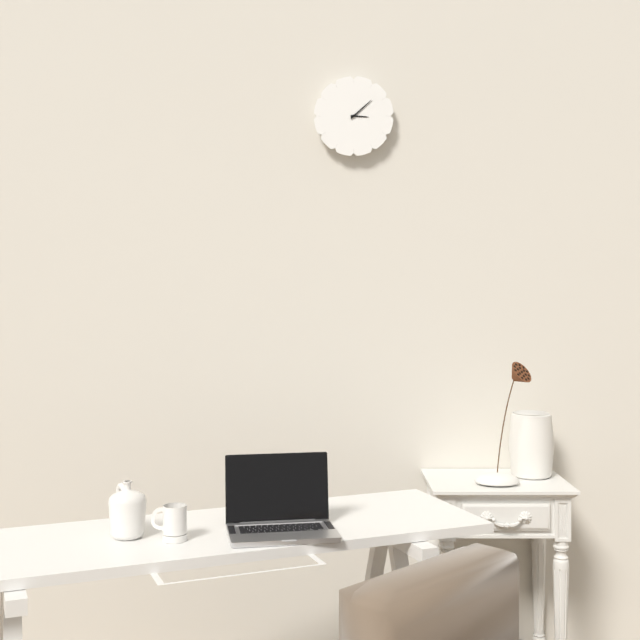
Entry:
**3:08**
